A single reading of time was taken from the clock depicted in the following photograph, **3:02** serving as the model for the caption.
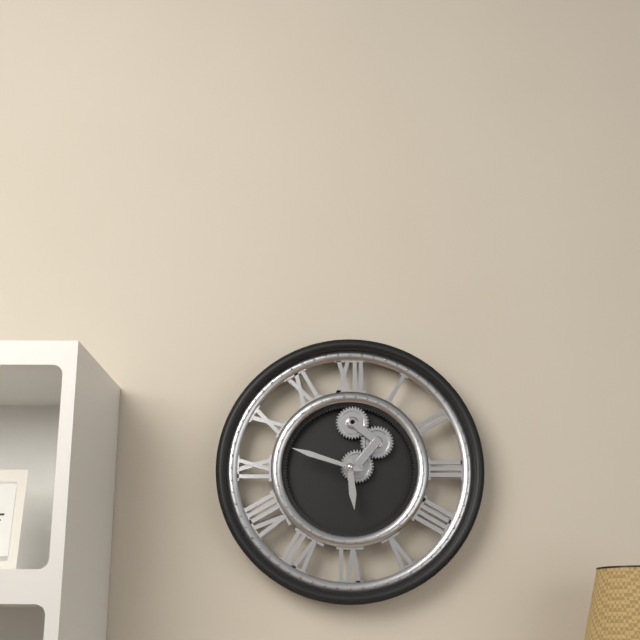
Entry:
**5:48**
